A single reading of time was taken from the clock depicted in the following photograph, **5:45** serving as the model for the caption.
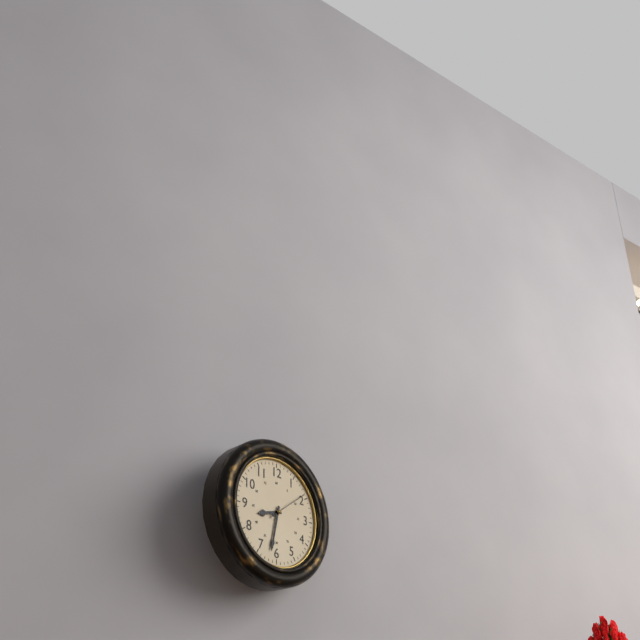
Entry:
**8:32**
